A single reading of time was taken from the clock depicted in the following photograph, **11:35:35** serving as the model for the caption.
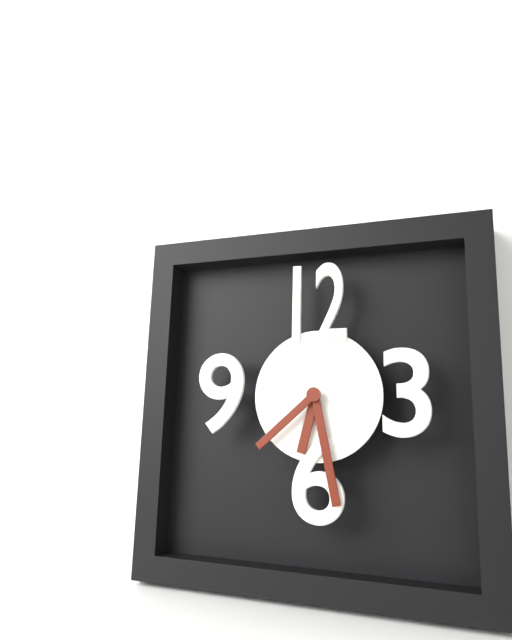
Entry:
**6:28:38**
